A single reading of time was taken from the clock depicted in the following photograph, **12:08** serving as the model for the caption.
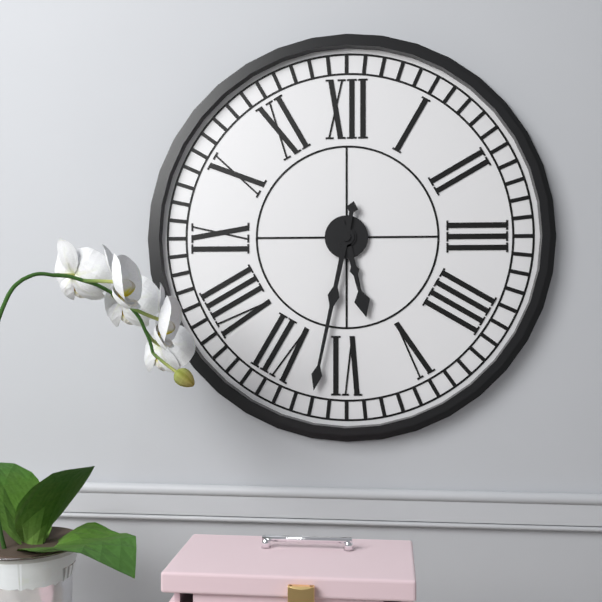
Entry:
**5:32**
